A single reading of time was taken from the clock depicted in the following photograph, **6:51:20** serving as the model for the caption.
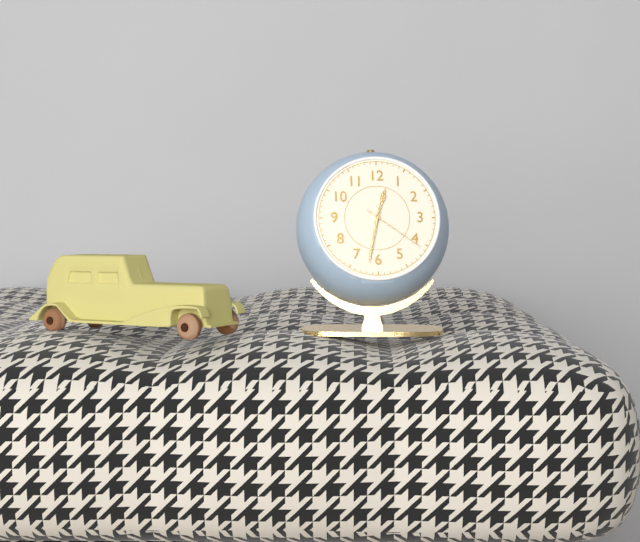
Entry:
**12:32:21**
